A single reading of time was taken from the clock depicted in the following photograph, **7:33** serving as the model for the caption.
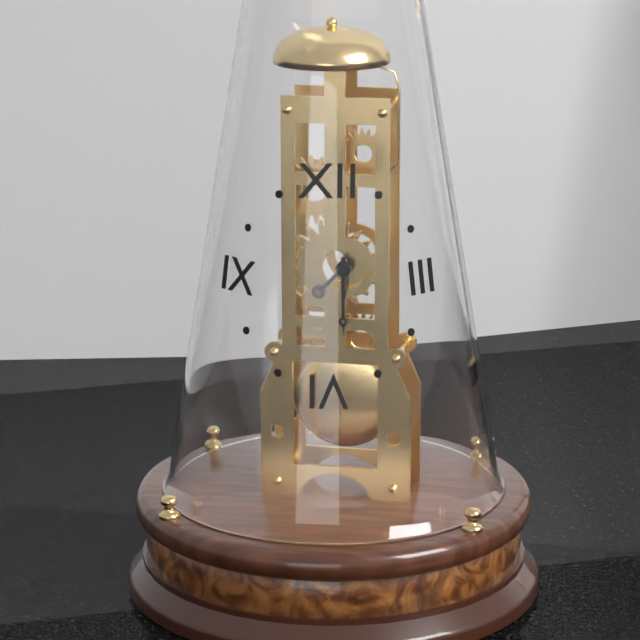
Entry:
**7:30**
